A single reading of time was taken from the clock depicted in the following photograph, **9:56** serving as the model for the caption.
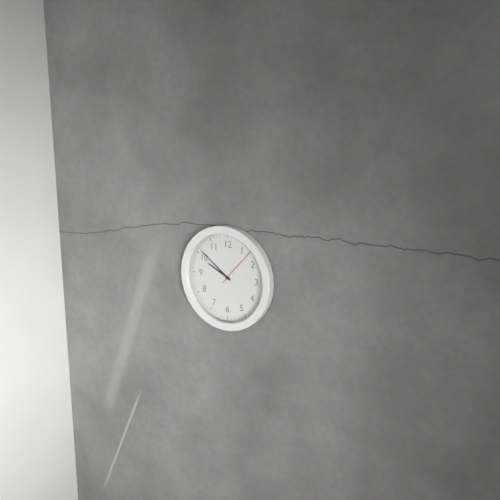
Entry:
**9:51**
